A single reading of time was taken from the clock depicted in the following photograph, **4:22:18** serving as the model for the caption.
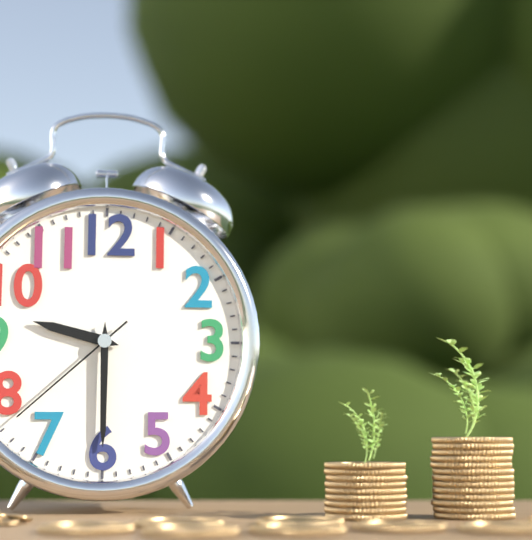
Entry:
**9:30:38**
